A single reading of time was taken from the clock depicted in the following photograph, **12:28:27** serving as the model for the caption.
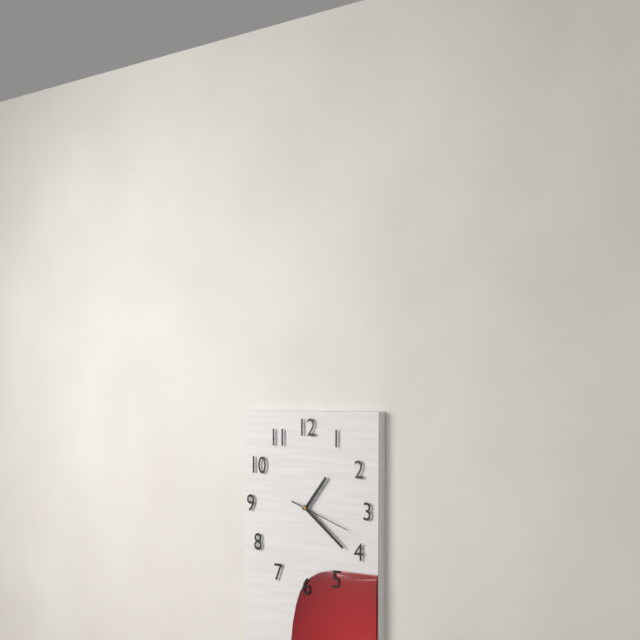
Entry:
**1:21:18**
